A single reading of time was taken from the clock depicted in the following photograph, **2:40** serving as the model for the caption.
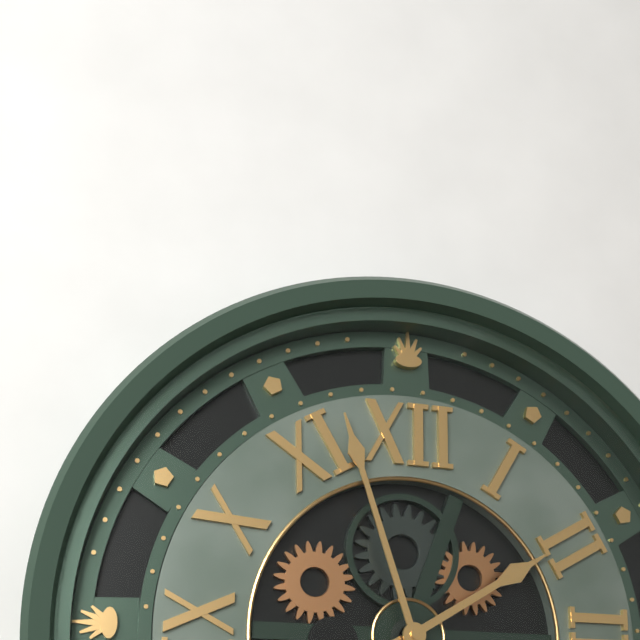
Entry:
**1:57**
